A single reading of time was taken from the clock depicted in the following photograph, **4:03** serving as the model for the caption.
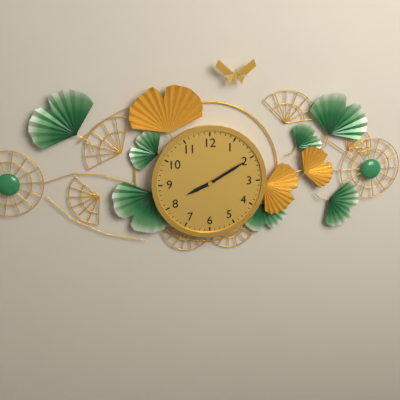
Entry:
**8:10**
